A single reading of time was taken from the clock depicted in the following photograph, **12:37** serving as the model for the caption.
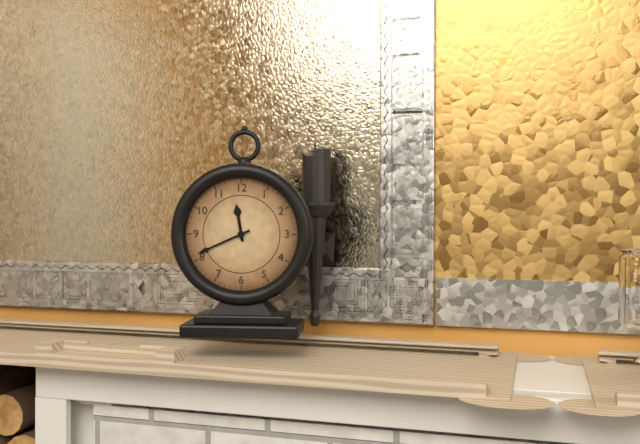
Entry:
**11:41**
